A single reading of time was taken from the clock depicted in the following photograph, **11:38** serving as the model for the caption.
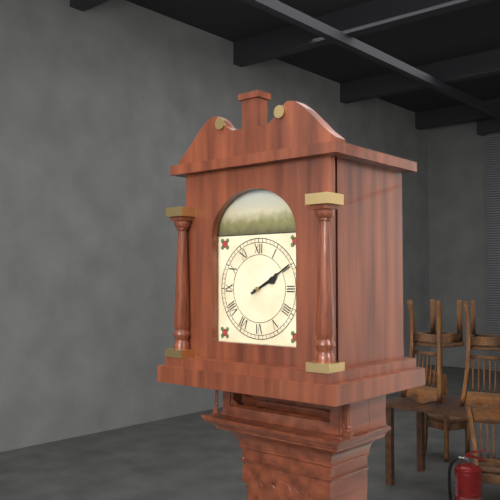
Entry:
**2:10**
